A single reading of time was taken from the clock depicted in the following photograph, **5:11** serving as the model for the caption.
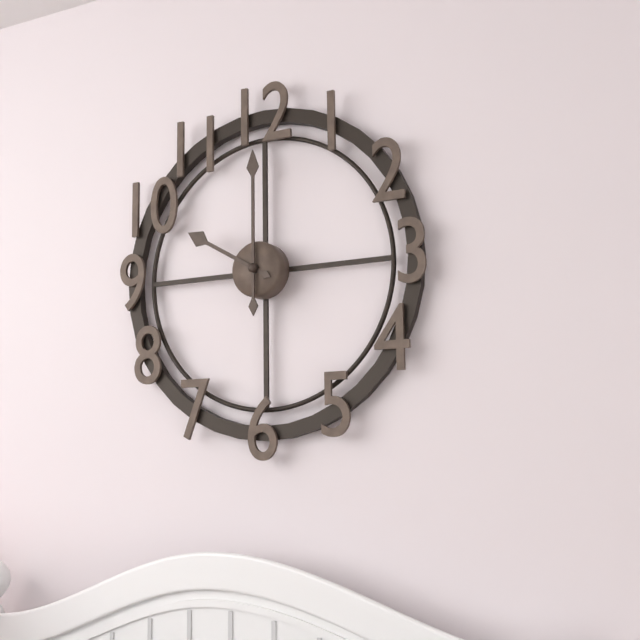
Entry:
**10:00**
